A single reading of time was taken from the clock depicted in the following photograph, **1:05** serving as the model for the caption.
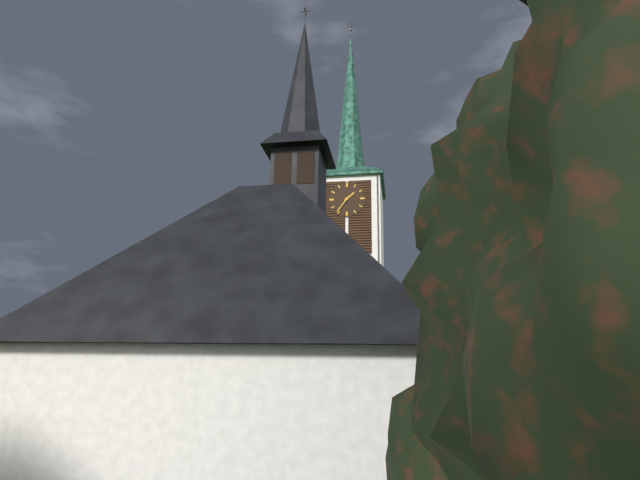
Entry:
**1:36**
